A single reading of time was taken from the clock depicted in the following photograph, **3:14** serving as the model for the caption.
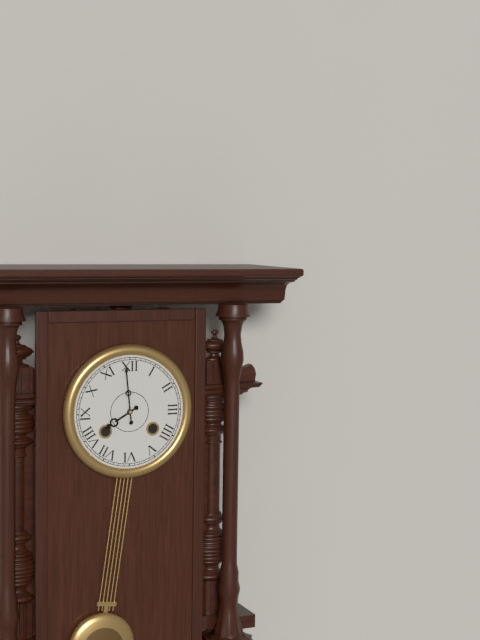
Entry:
**7:59**
